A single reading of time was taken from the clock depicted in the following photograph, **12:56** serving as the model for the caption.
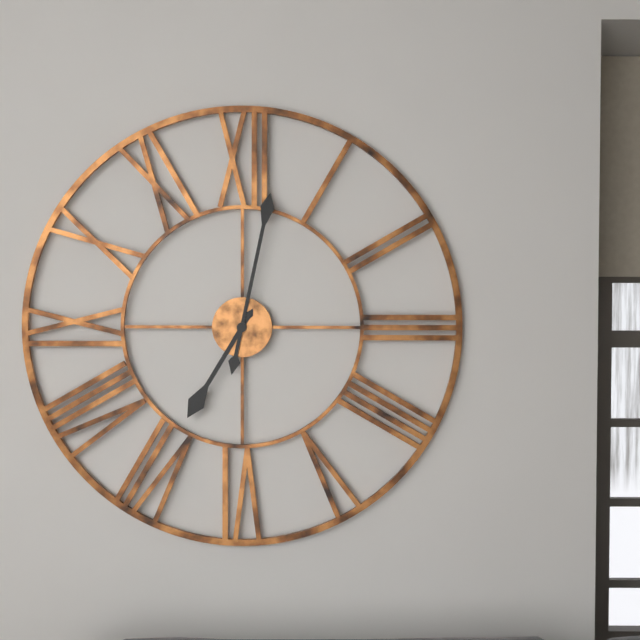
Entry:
**7:02**
